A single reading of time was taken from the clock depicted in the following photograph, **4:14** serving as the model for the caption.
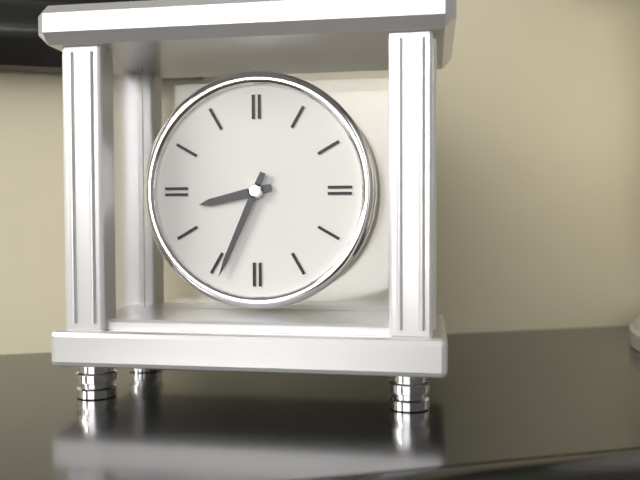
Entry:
**8:34**
